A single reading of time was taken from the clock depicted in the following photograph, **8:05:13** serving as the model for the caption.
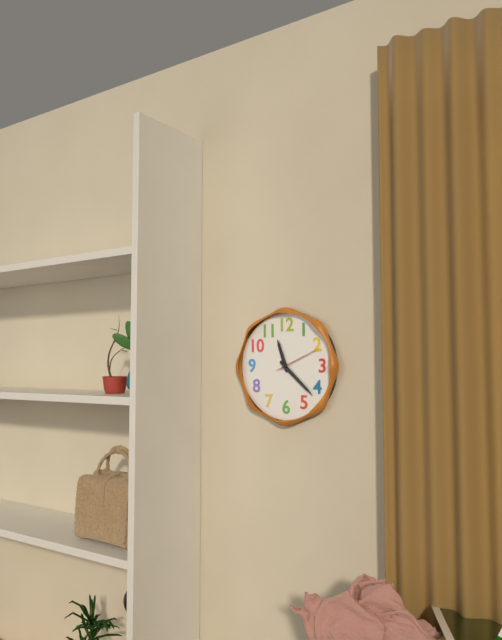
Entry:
**11:22:11**
